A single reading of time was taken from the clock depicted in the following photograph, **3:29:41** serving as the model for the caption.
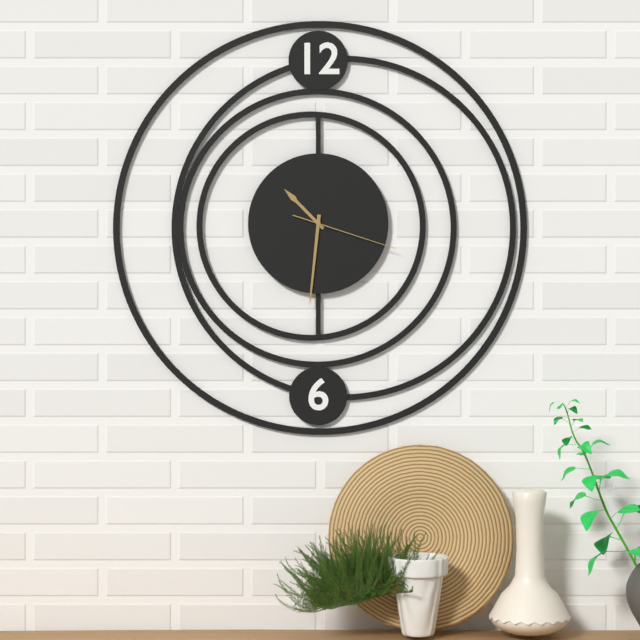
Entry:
**10:31:18**
